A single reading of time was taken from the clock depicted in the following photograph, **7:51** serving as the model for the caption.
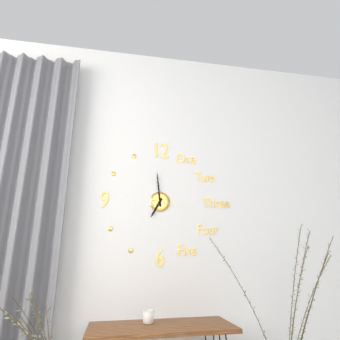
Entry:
**6:59**
